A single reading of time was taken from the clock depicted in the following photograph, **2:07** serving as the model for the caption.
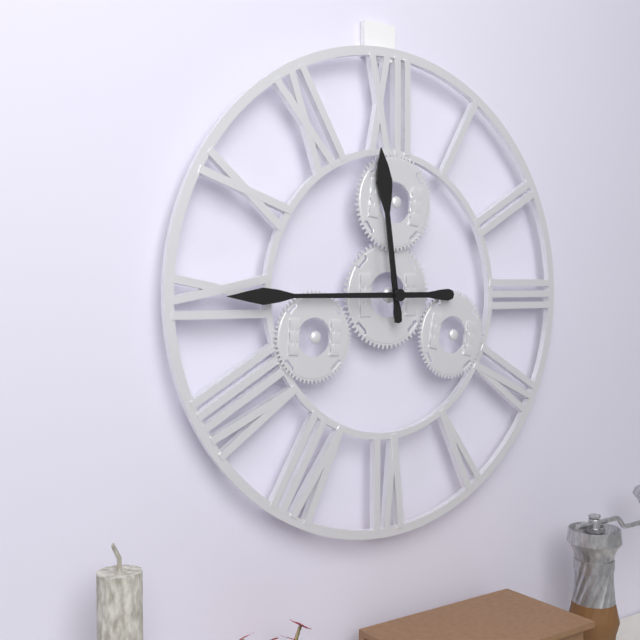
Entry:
**11:45**
